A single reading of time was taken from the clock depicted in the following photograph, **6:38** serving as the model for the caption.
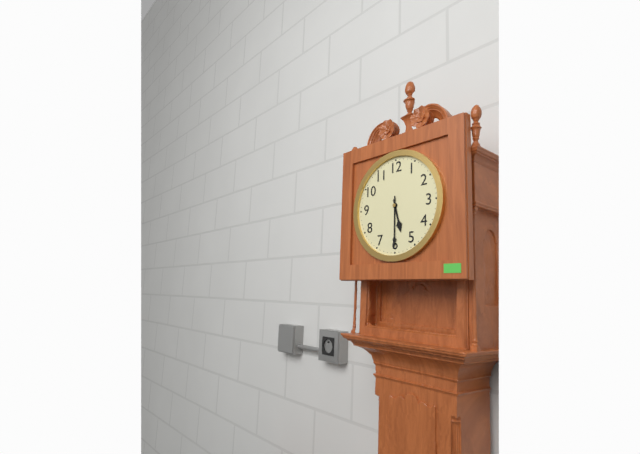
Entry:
**5:30**
